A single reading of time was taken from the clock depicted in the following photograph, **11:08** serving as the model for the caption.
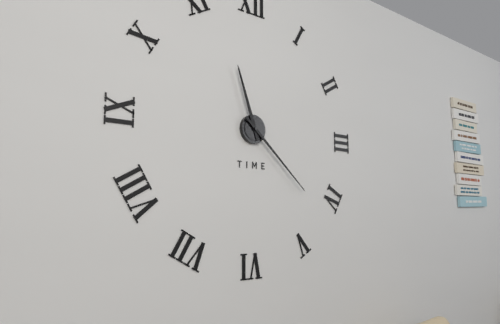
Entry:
**11:22**
